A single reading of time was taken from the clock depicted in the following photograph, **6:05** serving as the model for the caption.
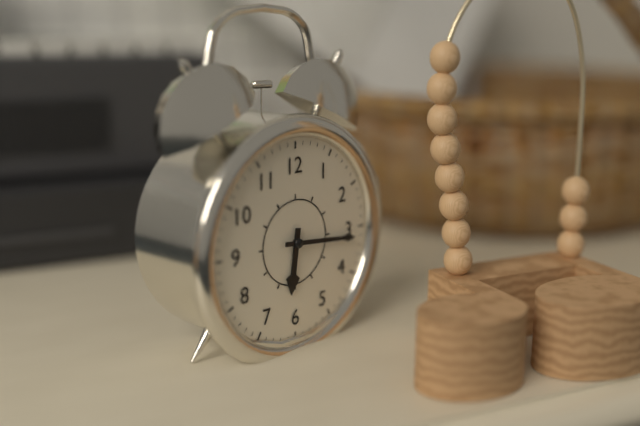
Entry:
**6:16**
